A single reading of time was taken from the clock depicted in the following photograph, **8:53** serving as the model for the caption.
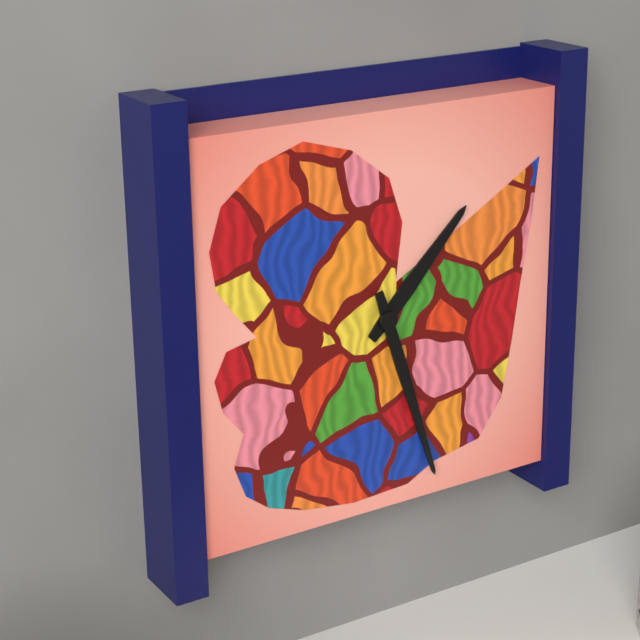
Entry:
**1:27**
